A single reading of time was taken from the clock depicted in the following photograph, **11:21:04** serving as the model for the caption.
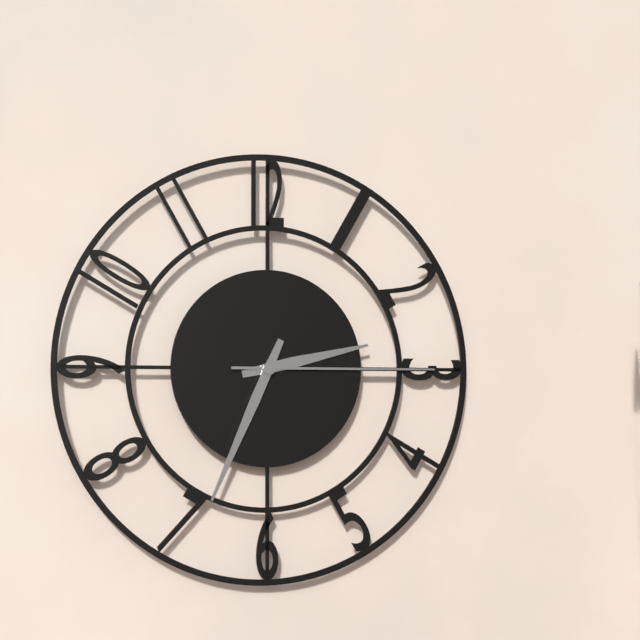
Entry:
**2:34:15**
